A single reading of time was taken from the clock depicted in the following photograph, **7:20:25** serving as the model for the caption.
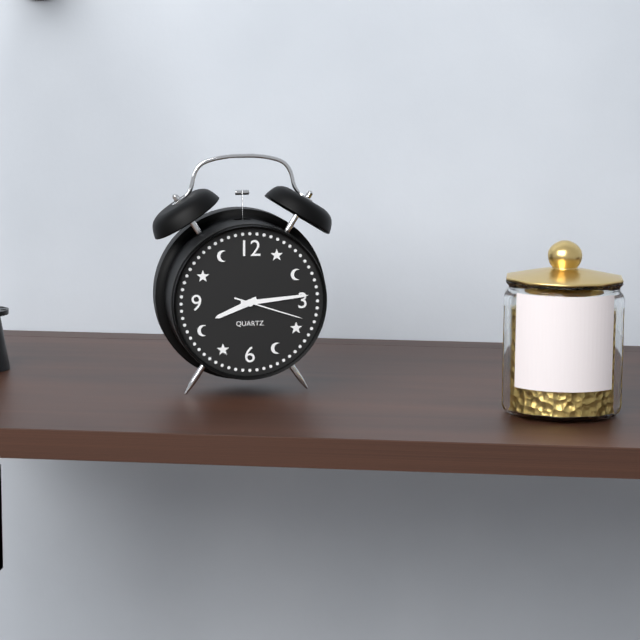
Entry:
**8:14:18**
